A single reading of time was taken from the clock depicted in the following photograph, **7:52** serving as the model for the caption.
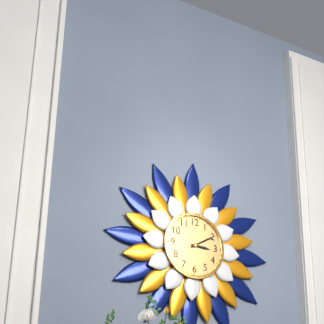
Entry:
**3:10**
